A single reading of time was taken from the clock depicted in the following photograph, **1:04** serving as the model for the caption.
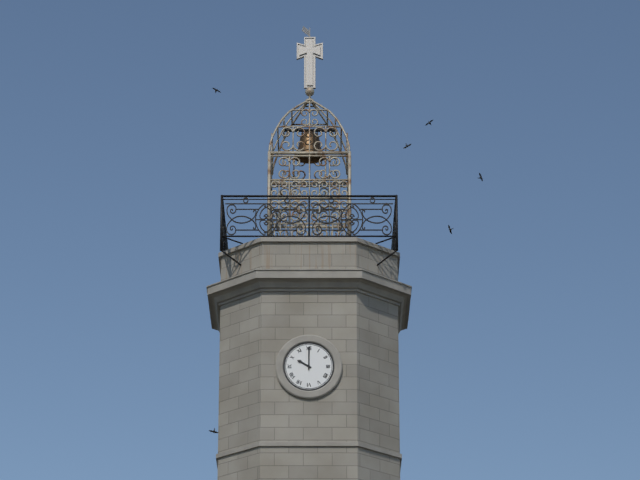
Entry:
**10:00**
